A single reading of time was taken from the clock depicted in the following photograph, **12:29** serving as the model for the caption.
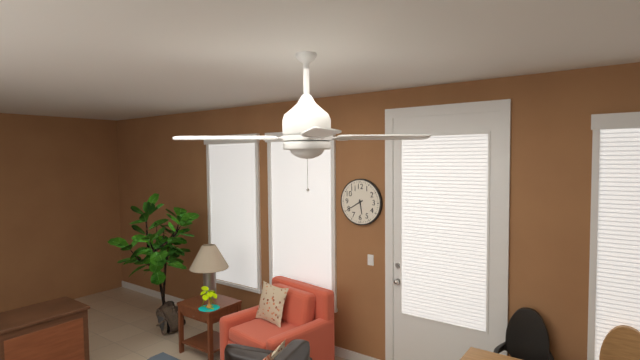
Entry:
**5:40**
